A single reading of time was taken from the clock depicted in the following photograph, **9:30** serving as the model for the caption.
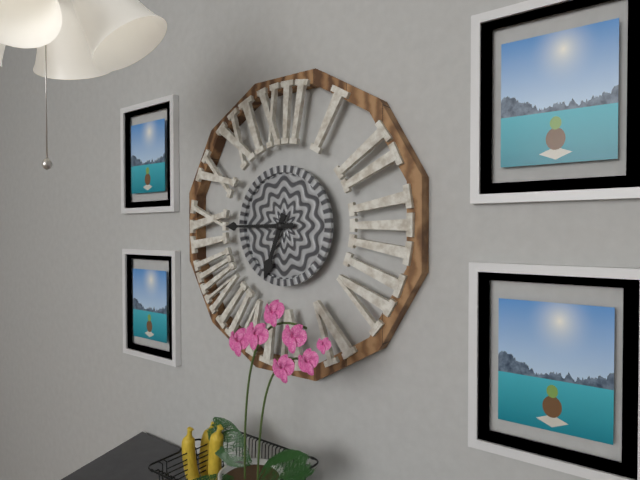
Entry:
**6:45**
